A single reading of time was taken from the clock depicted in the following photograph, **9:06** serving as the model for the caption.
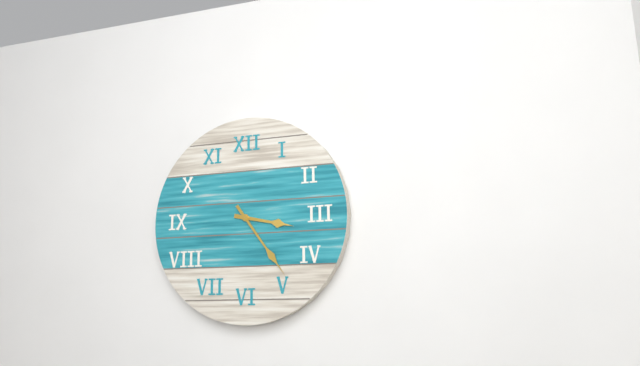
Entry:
**3:24**
